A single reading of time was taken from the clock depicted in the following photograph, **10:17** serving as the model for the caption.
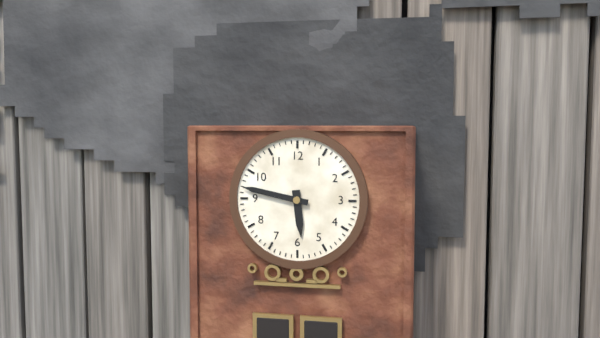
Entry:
**5:47**
